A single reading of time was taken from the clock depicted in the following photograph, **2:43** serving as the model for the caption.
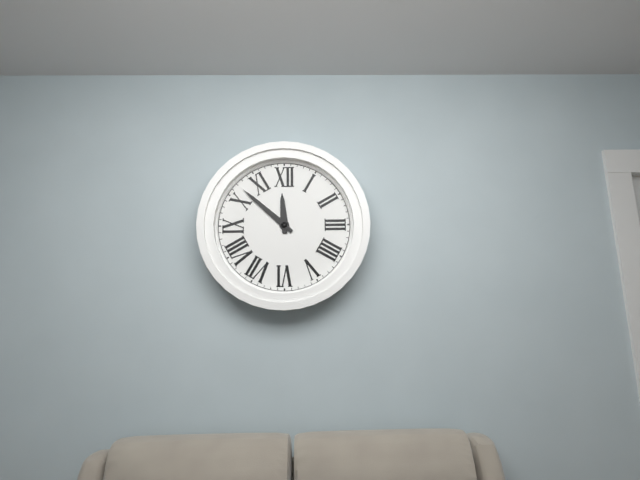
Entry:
**11:52**
